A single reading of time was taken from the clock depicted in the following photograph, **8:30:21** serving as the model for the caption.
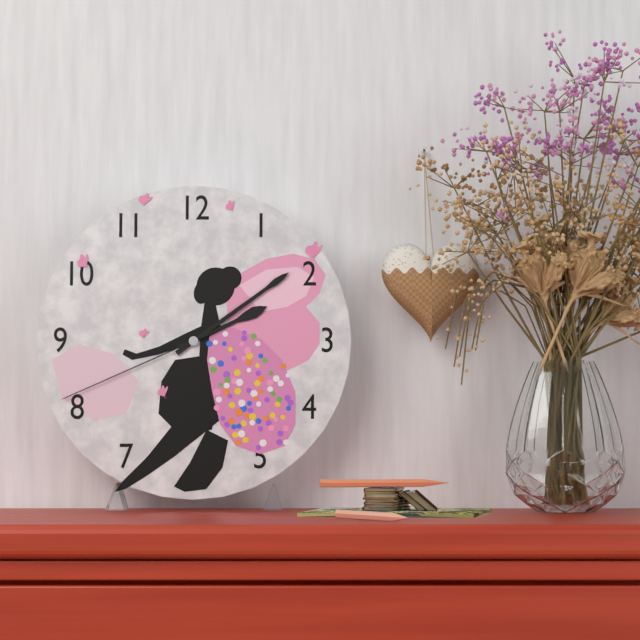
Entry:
**2:09:41**
